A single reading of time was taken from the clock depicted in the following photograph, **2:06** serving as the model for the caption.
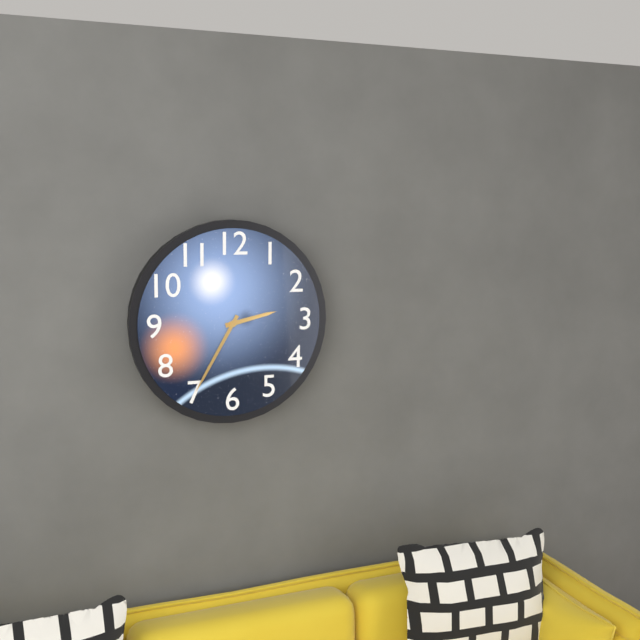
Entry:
**2:35**
